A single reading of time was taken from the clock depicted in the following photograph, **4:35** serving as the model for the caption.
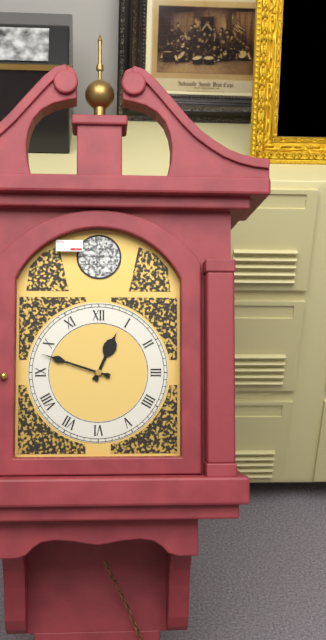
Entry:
**12:48**
